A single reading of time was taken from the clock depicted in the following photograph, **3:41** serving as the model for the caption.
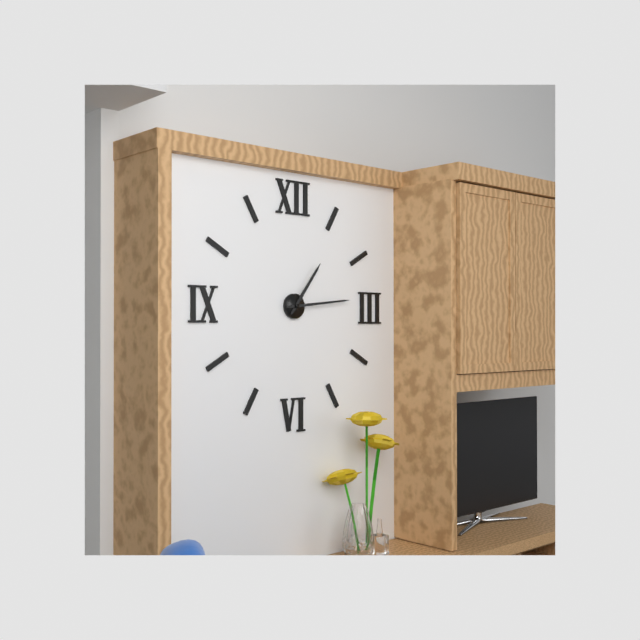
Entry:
**1:14**
